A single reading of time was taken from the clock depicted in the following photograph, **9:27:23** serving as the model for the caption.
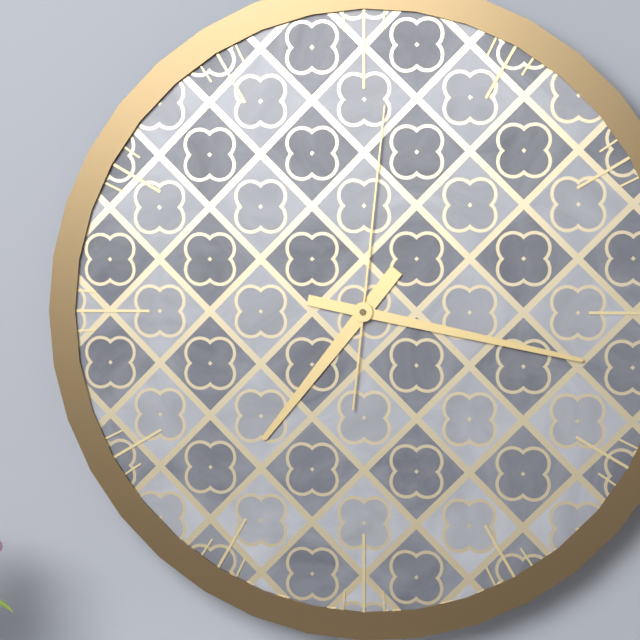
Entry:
**7:17:01**
